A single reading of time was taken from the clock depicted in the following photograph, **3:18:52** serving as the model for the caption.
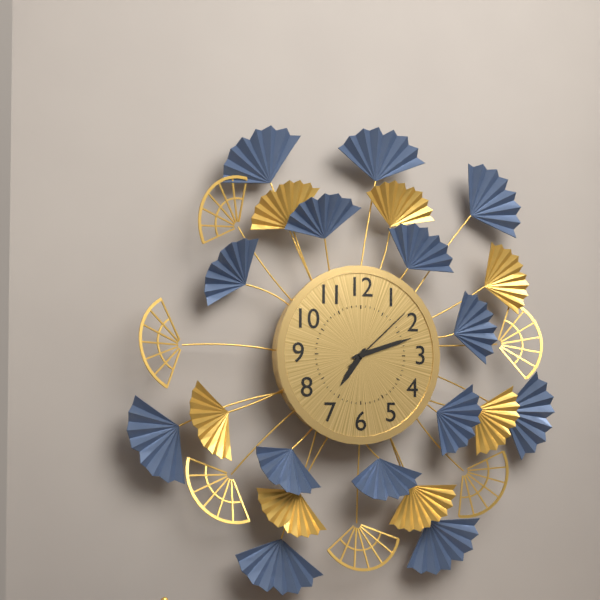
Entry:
**7:12:08**
